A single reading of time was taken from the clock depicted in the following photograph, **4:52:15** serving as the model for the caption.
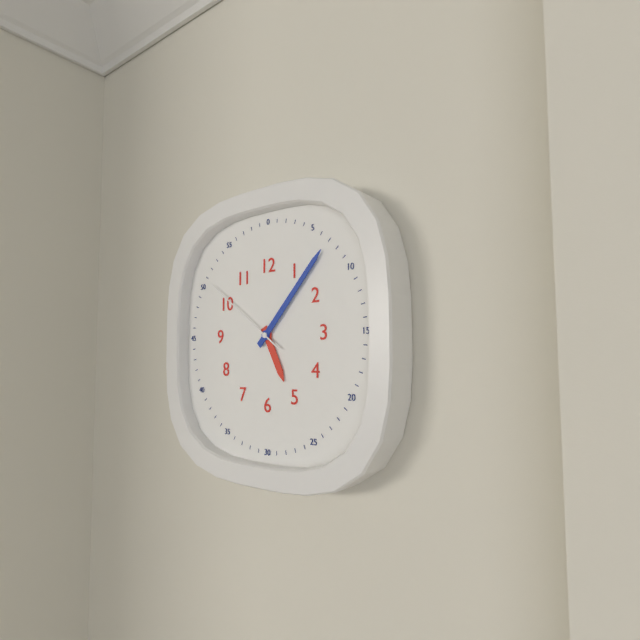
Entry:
**5:07:51**
